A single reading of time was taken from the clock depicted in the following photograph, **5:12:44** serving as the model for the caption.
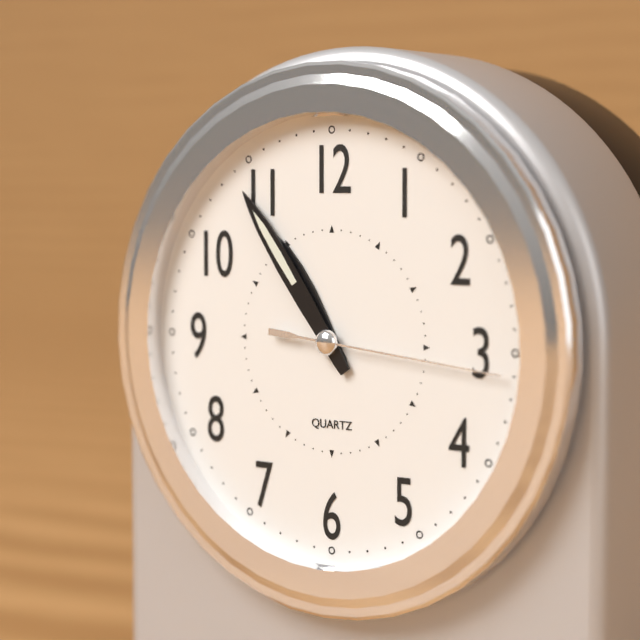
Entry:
**10:54:16**
